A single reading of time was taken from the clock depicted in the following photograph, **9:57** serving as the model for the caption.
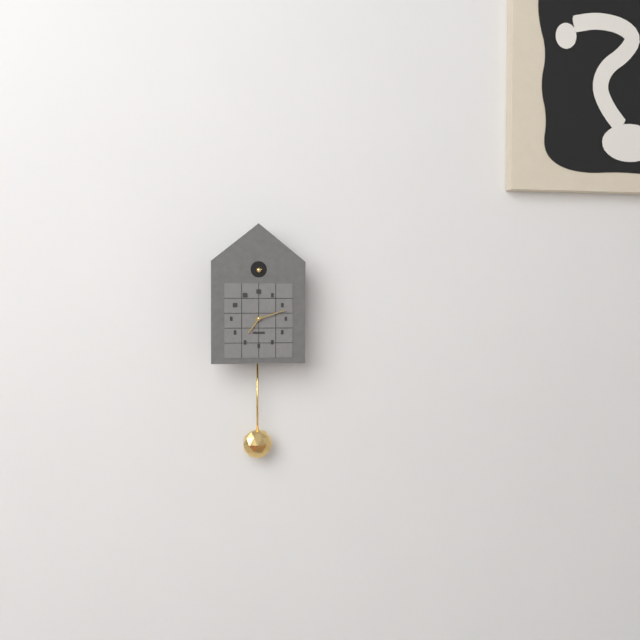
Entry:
**7:12**
